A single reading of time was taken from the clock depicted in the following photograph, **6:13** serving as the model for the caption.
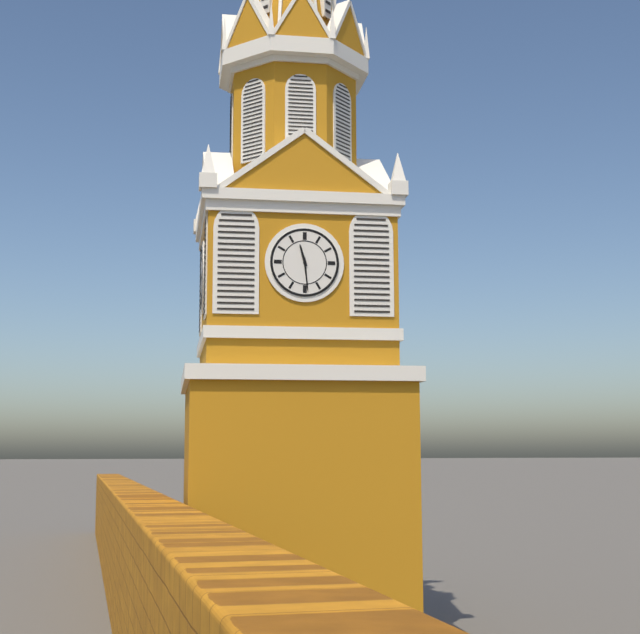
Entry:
**11:29**
